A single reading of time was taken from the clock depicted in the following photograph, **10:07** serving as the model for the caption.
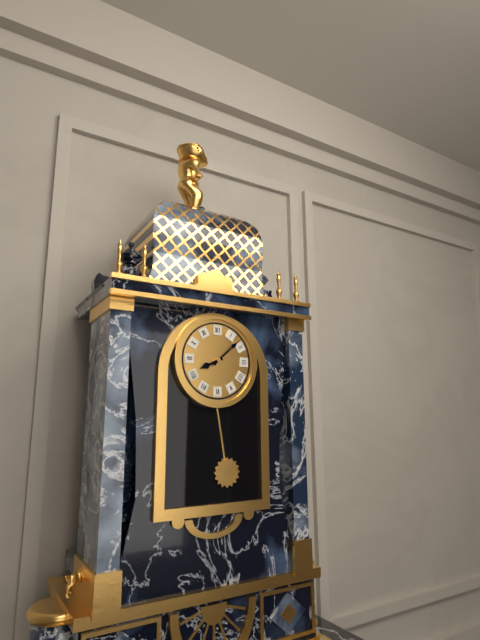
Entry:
**8:08**
